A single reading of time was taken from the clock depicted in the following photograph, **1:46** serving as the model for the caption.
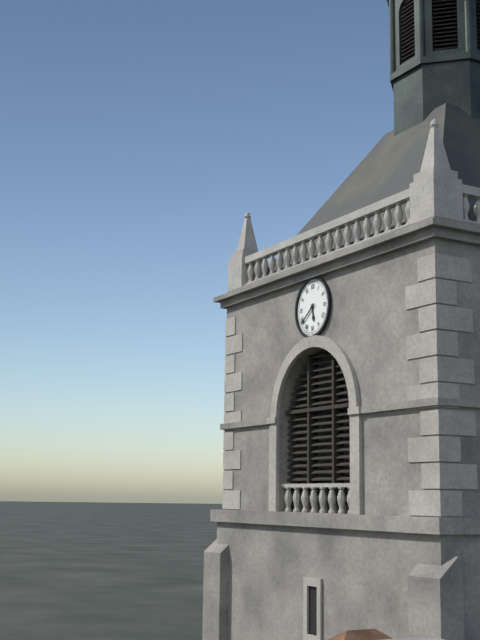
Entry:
**5:39**
